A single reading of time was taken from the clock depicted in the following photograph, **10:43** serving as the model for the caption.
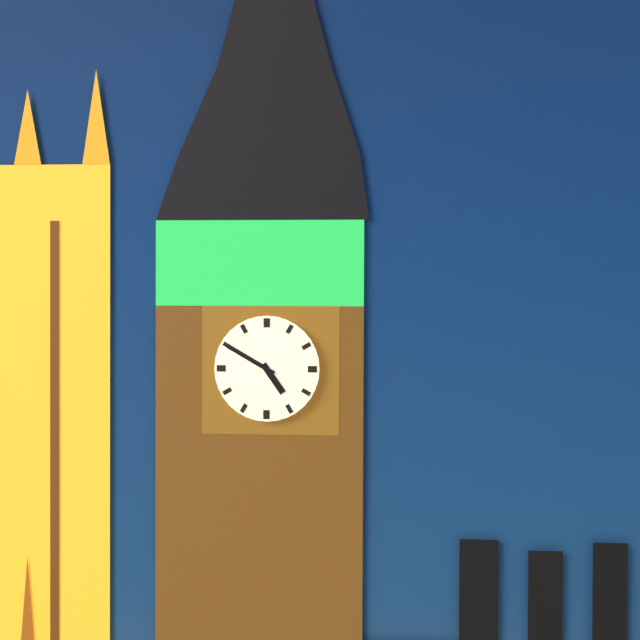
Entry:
**4:50**
